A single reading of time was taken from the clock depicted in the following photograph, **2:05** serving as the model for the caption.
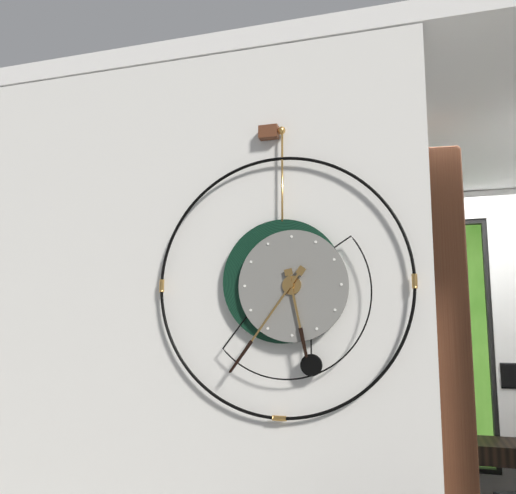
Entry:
**5:36**
